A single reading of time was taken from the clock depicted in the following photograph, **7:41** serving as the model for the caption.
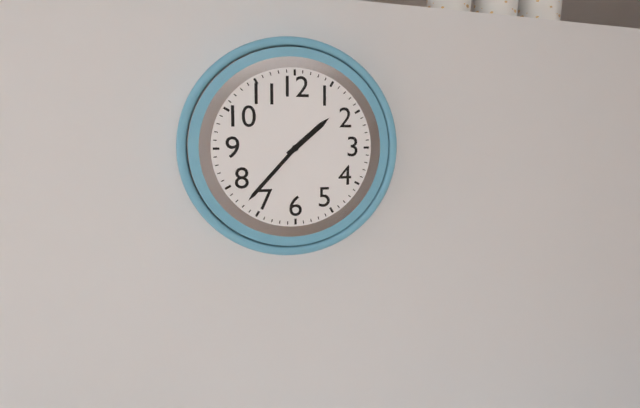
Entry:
**1:37**
